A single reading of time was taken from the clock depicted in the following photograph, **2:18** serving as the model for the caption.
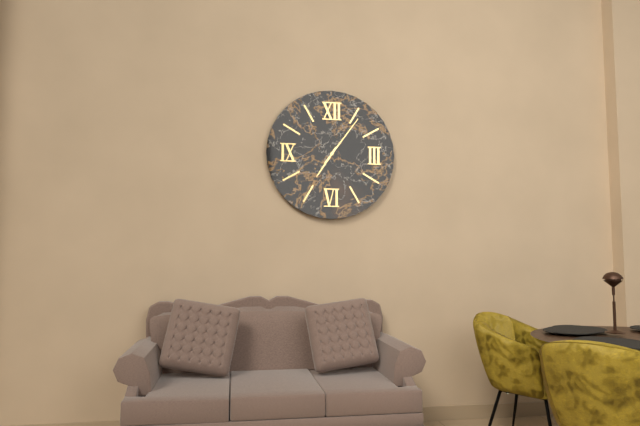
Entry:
**7:06**
